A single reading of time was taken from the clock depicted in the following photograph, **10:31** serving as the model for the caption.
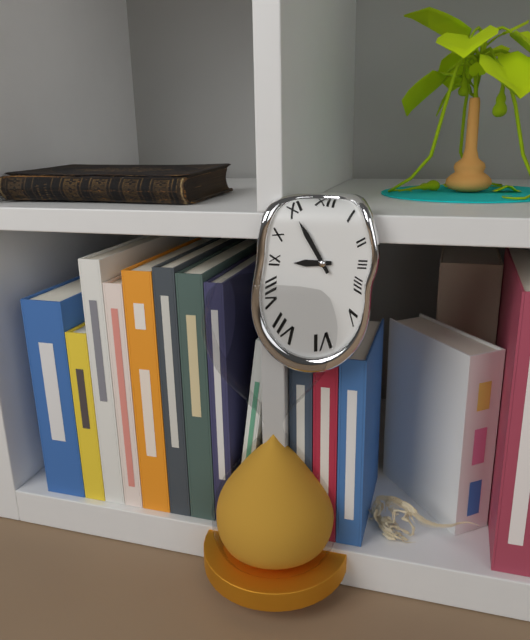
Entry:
**8:55**
